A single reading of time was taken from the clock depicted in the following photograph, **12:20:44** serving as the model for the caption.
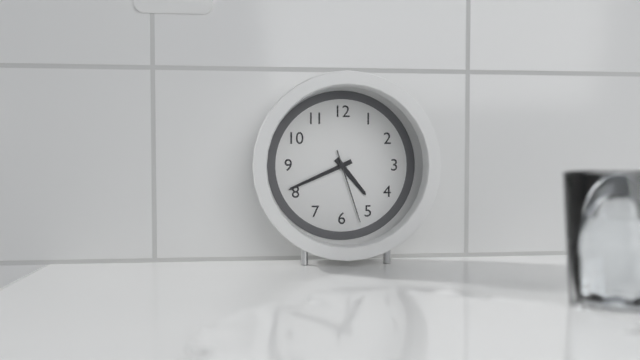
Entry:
**4:41:27**
